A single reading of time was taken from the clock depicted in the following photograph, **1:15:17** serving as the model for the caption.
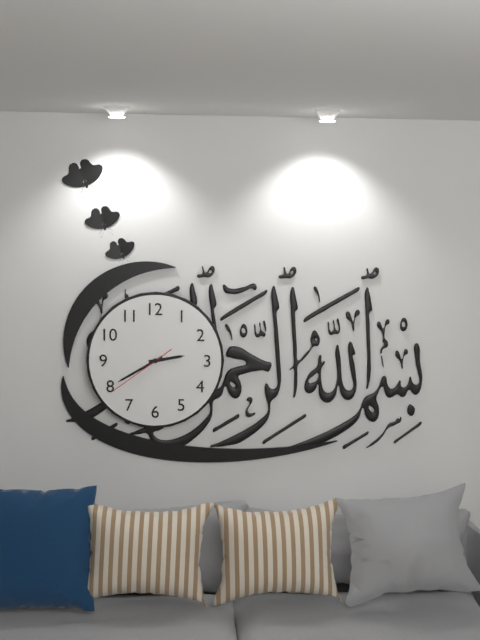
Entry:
**2:40:39**
